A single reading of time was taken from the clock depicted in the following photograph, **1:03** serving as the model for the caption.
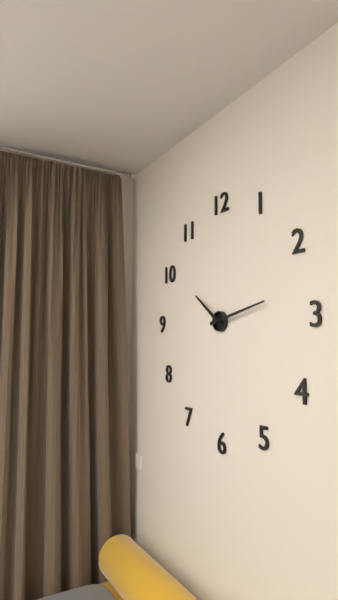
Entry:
**10:13**
